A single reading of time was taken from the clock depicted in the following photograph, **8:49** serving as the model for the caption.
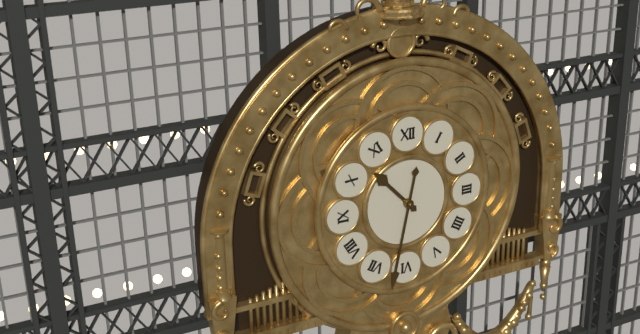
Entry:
**10:32**
